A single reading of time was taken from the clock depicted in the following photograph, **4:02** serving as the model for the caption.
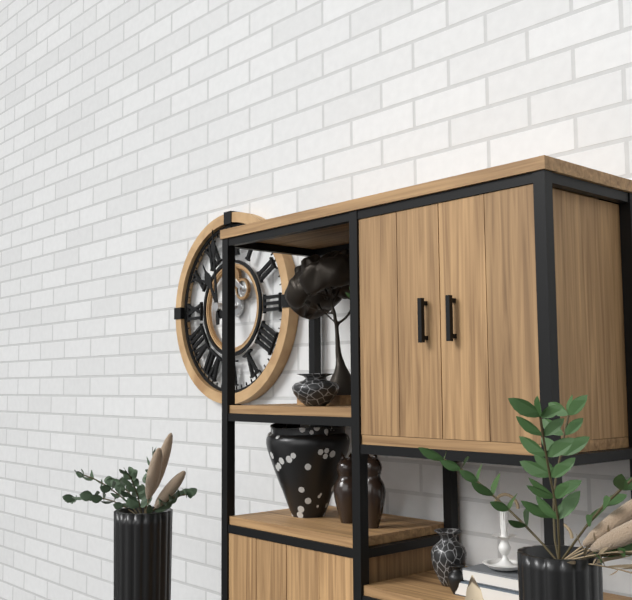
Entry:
**10:59**
